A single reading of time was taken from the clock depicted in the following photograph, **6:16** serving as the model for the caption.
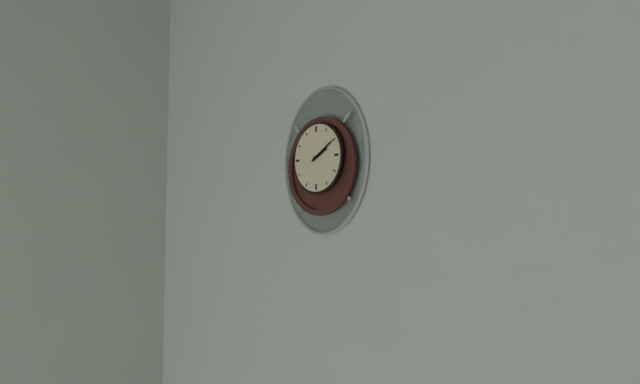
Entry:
**2:10**
